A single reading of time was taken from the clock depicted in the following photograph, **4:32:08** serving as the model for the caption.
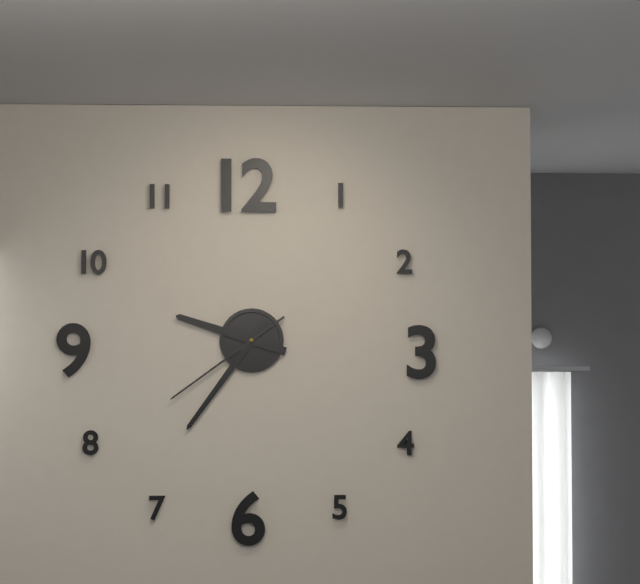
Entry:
**9:36:39**
